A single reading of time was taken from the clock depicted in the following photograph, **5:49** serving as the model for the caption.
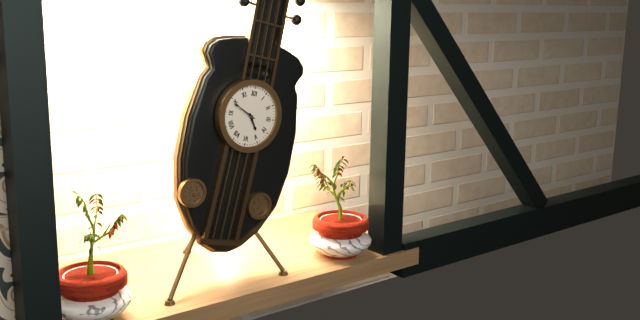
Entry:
**4:49**
